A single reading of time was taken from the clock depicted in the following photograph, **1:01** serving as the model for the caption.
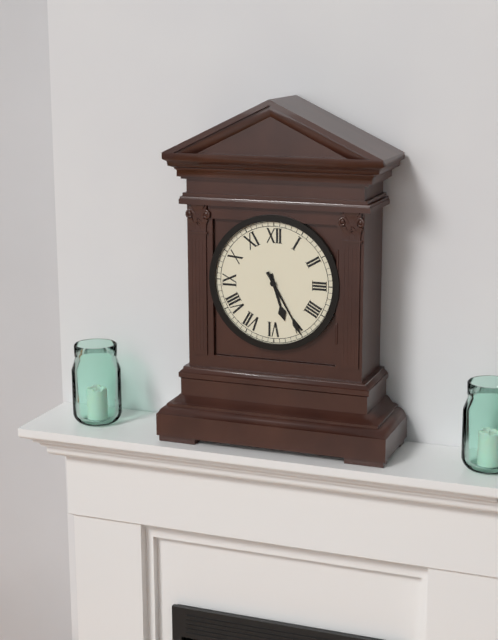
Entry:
**5:25**
